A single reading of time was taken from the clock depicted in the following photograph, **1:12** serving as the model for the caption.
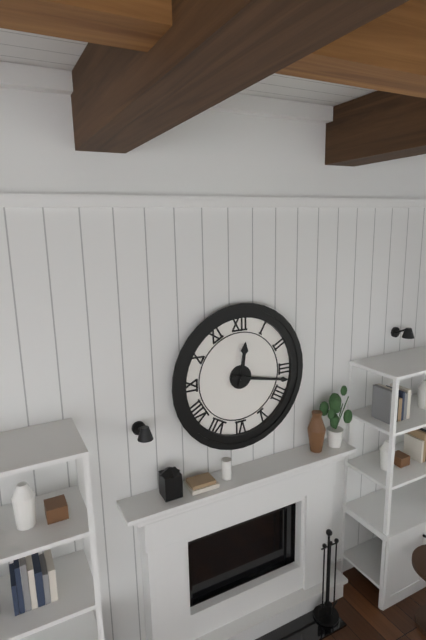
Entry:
**12:17**
